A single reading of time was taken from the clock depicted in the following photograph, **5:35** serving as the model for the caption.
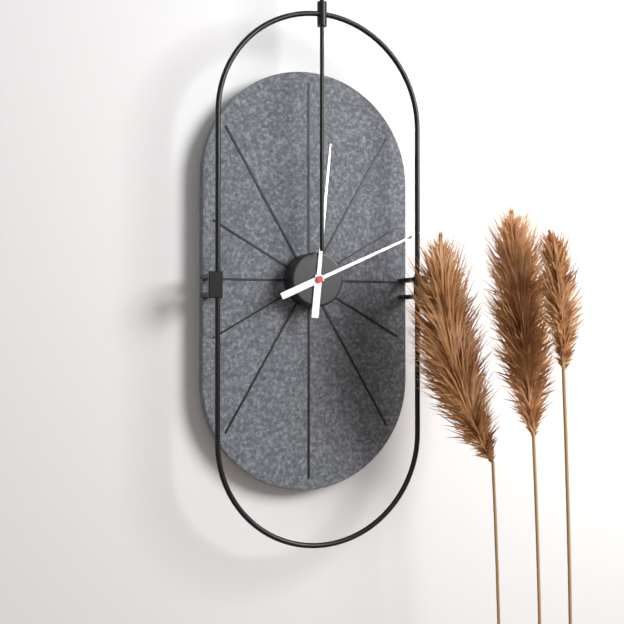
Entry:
**12:11**
